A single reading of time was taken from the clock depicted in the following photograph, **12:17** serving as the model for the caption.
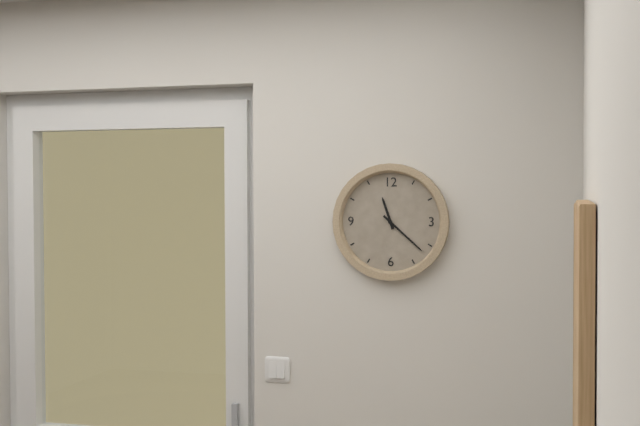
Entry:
**11:22**
